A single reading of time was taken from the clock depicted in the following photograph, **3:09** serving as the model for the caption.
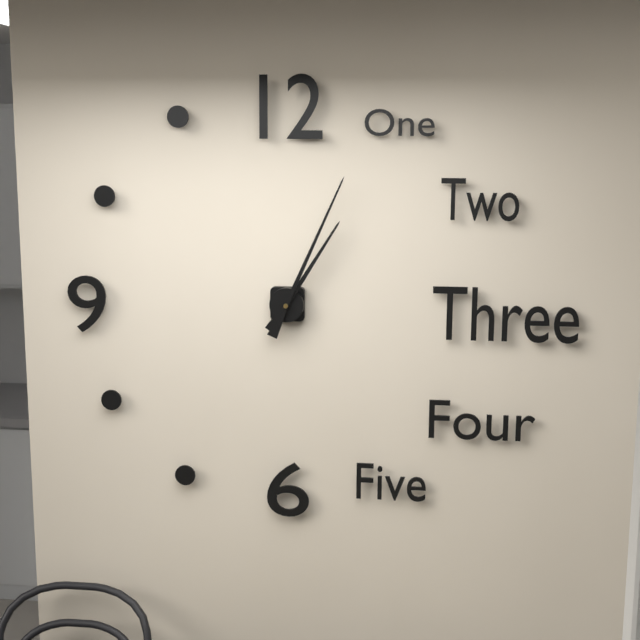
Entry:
**1:04**
